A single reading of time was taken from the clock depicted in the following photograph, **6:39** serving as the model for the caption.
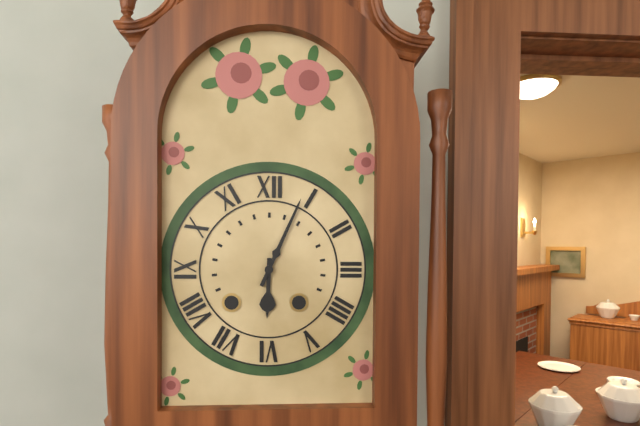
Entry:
**6:04**
